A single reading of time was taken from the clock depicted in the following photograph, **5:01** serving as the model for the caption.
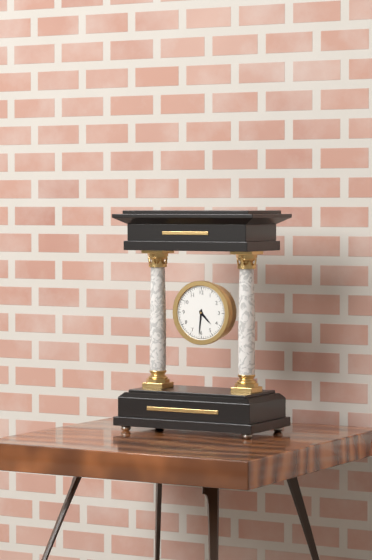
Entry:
**4:31**
